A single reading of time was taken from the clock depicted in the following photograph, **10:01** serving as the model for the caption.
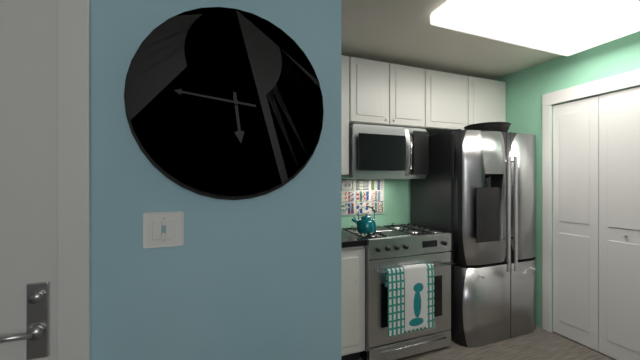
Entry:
**5:46**
